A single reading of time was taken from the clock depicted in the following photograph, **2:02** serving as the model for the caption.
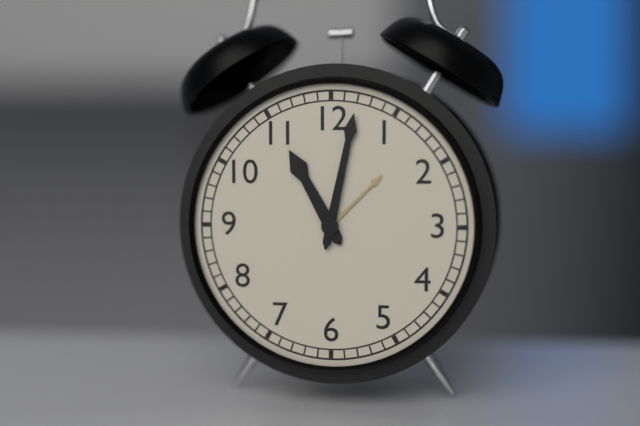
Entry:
**11:02**
